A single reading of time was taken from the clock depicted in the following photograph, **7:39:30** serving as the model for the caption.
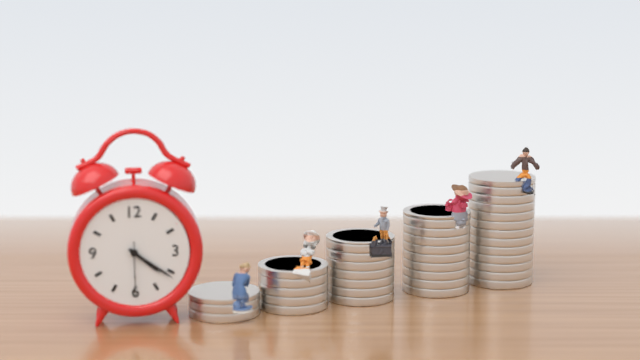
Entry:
**4:21:30**
